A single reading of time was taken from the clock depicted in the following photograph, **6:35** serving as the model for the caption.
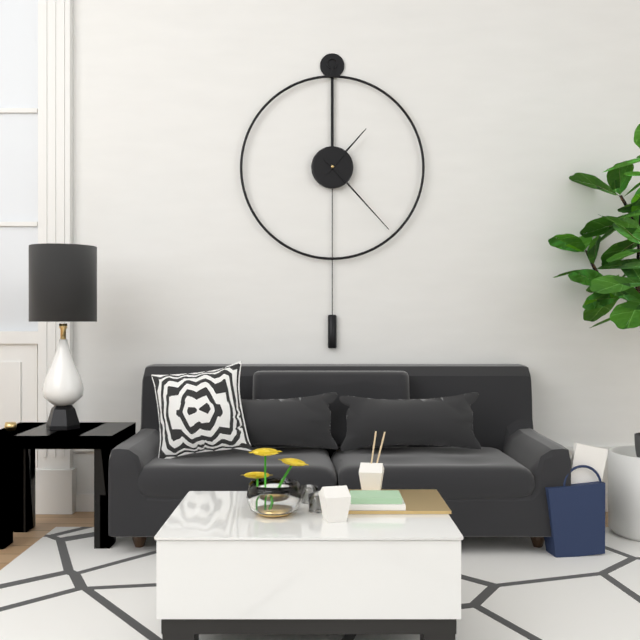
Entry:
**1:23**
